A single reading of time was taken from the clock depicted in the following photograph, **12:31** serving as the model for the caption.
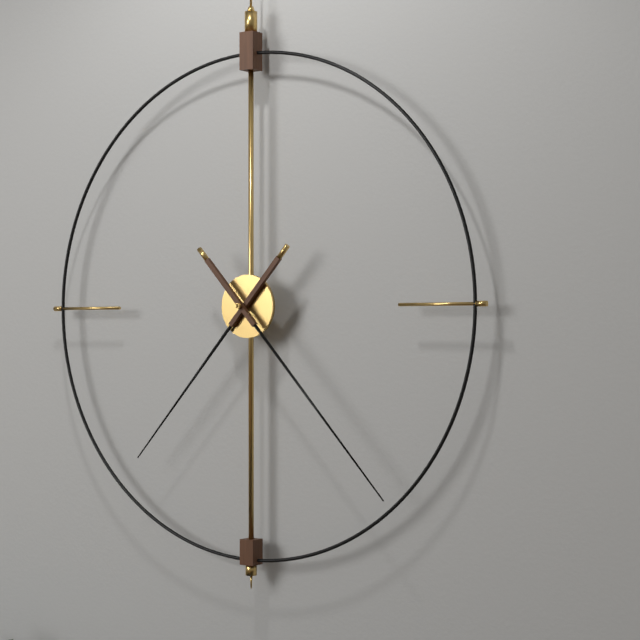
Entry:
**7:23**
